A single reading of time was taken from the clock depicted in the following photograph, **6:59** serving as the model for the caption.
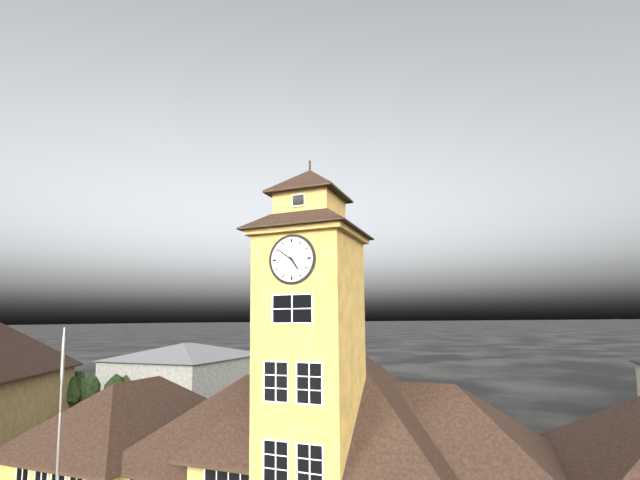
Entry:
**4:51**
